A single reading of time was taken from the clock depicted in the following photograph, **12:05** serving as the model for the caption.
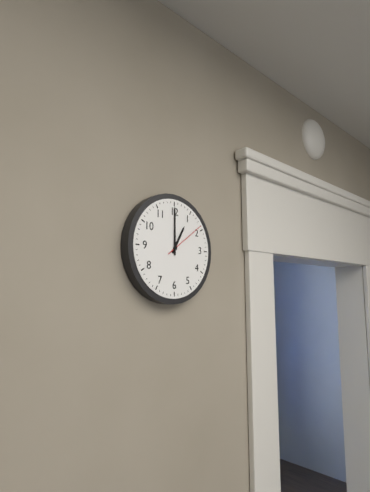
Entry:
**1:00**
